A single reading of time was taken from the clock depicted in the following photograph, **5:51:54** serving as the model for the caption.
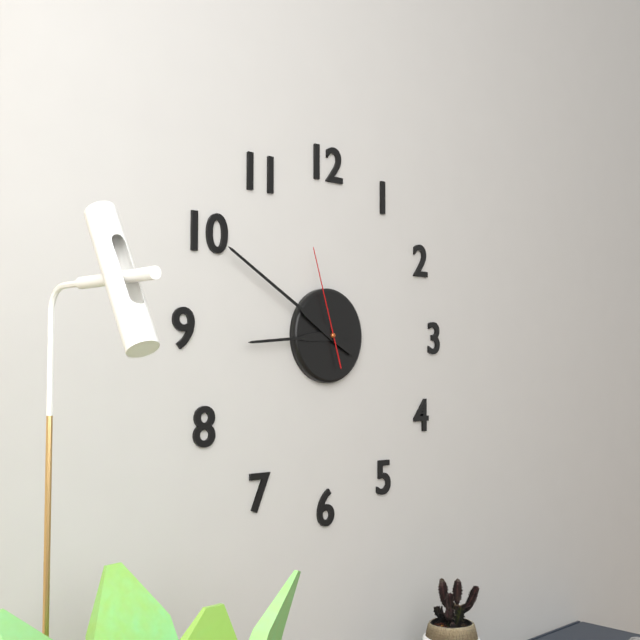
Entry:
**8:50:57**
